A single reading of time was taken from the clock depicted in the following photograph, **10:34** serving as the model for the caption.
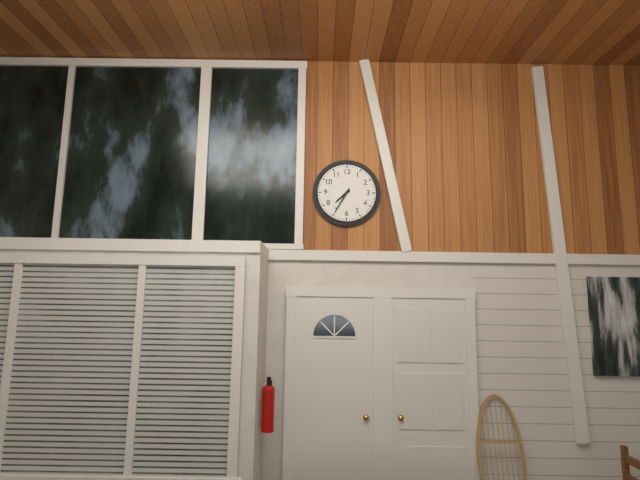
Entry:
**7:35**
